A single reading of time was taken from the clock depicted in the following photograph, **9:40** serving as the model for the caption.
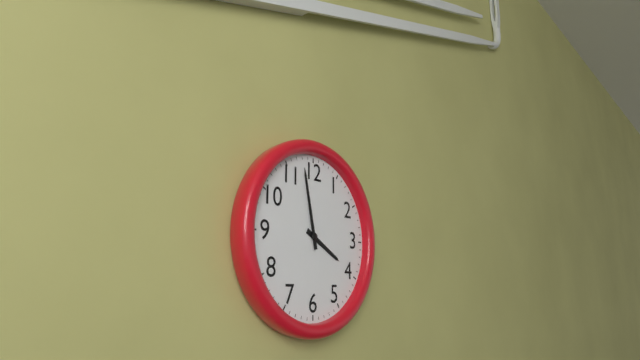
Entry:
**3:58**
